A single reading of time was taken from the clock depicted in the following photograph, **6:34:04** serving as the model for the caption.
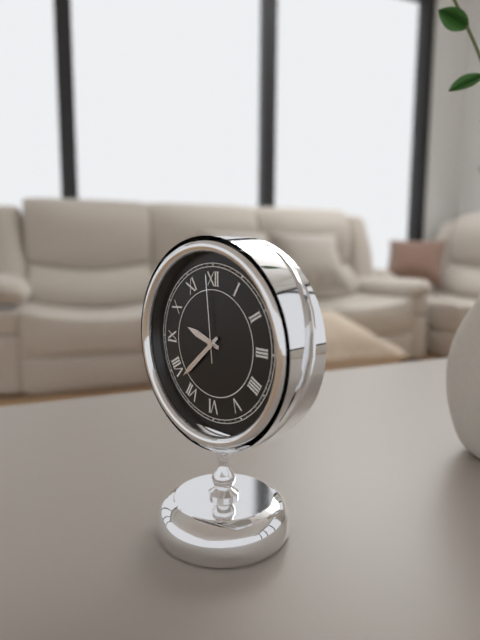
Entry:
**9:38:59**
